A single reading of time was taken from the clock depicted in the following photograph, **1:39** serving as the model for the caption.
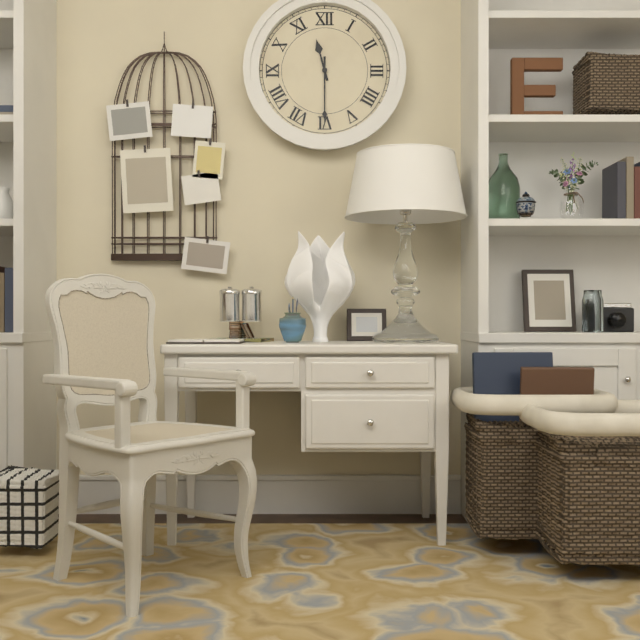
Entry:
**11:30**
